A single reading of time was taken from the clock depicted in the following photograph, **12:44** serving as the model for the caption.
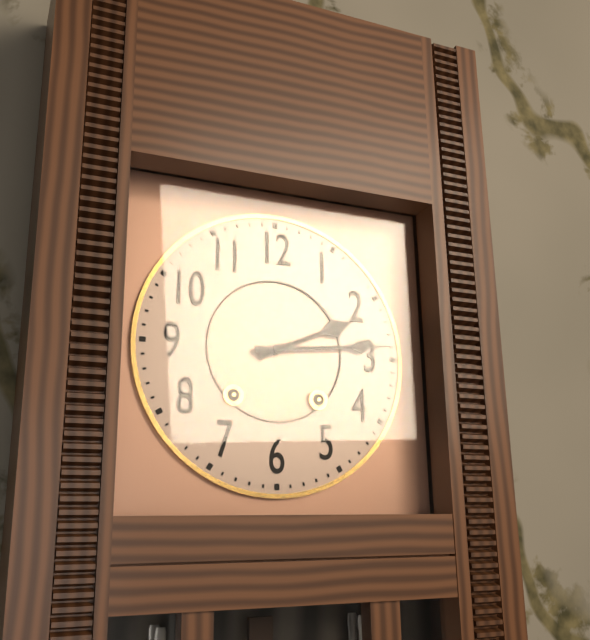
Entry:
**2:14**
